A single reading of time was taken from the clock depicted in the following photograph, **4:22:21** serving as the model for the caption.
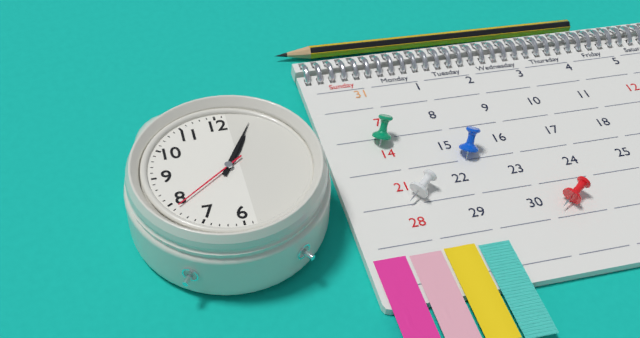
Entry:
**1:05:39**
